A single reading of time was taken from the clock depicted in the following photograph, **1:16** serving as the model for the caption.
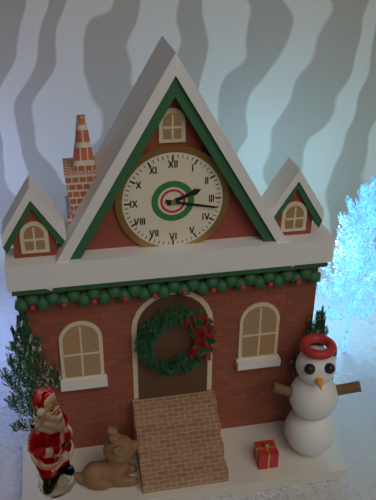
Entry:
**2:17**
